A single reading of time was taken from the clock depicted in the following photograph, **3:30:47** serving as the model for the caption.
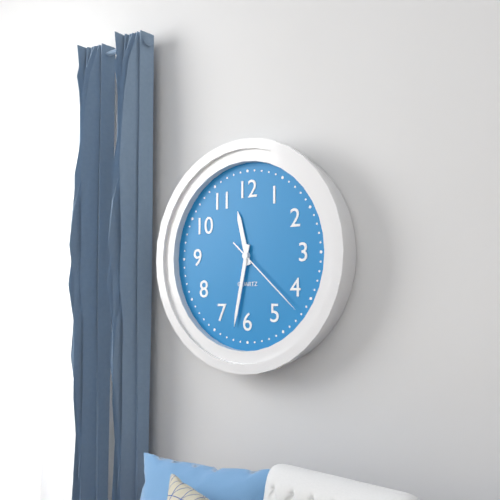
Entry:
**11:32:22**
